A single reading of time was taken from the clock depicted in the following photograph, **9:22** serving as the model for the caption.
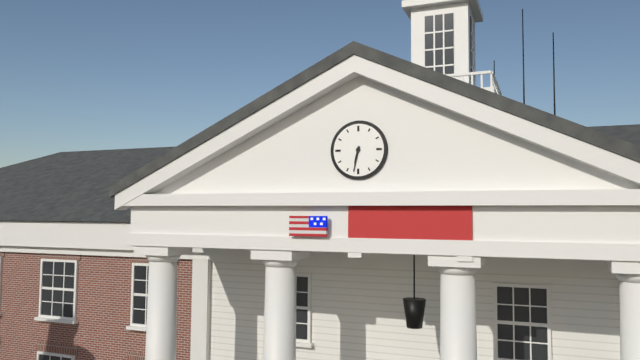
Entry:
**6:32**
